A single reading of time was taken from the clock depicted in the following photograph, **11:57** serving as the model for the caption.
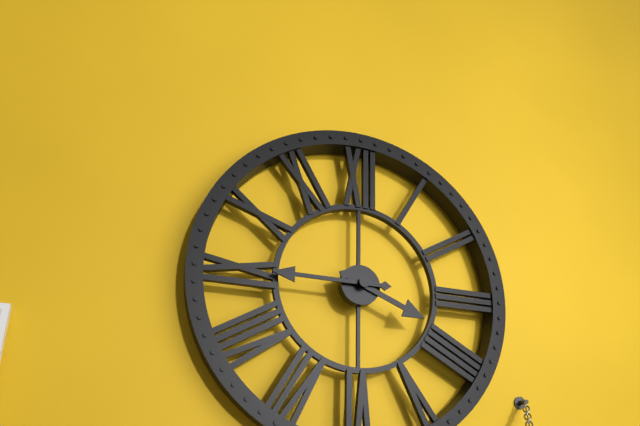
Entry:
**3:45**
